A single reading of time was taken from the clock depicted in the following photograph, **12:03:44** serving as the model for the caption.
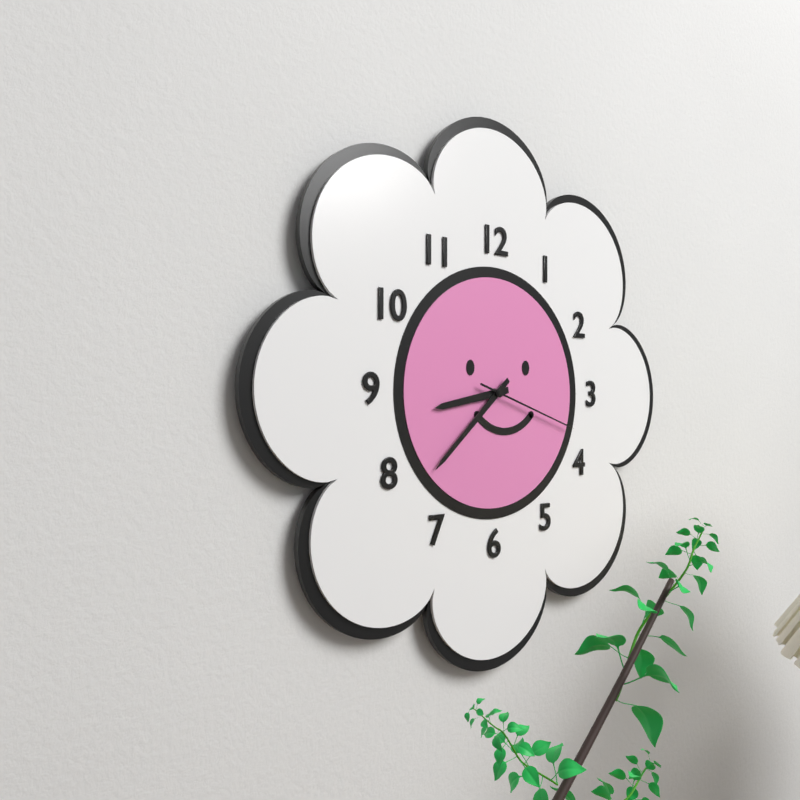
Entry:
**8:38:18**
